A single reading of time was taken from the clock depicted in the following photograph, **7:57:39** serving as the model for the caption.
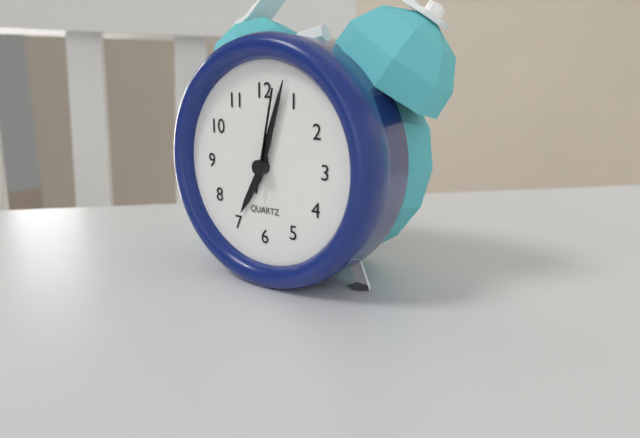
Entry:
**7:03:02**
